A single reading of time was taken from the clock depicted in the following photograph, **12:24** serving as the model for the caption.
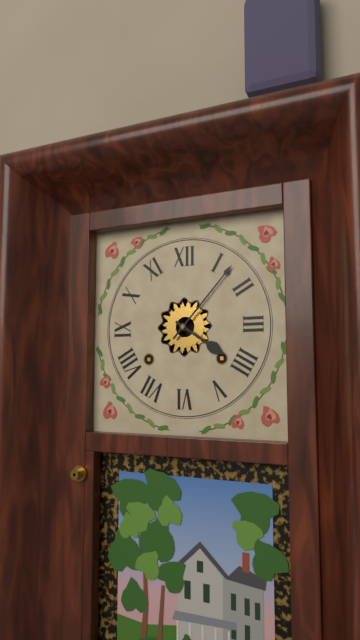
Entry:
**4:07**
